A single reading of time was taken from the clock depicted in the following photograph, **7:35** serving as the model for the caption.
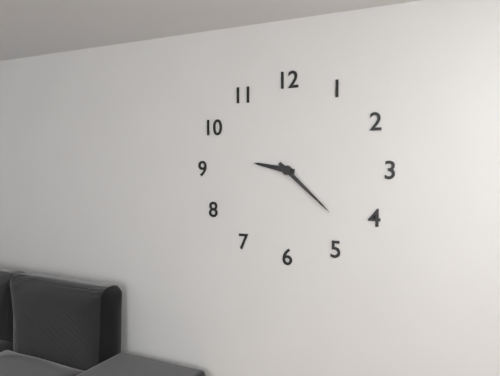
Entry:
**9:22**
